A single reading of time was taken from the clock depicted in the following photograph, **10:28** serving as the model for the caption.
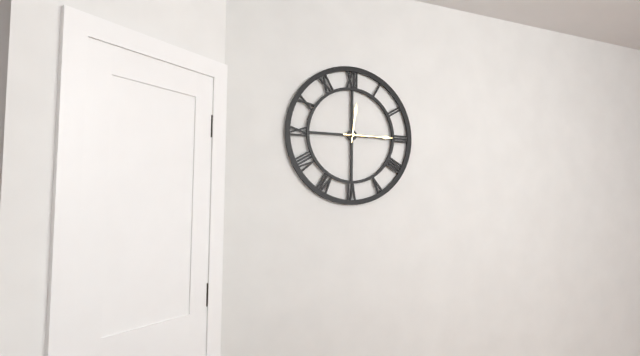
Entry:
**12:15**
